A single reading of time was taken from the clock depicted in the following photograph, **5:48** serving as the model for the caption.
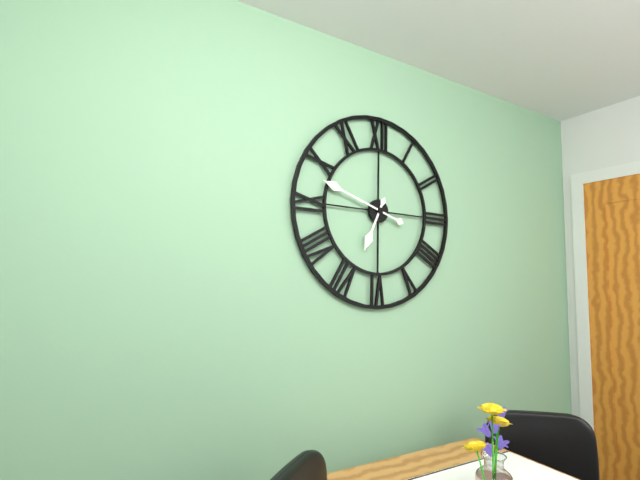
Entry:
**6:48**
